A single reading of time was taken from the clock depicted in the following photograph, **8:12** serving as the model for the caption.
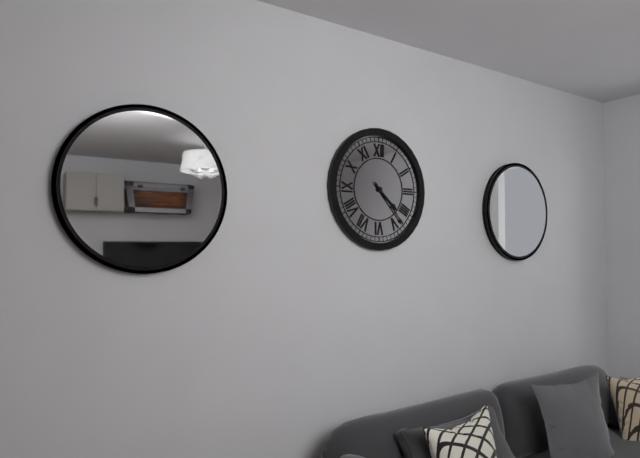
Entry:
**4:23**
